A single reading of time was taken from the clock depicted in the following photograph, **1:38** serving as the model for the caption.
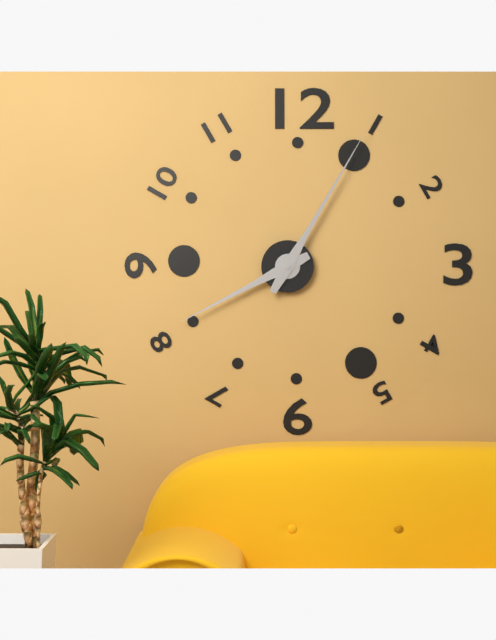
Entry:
**8:05**
